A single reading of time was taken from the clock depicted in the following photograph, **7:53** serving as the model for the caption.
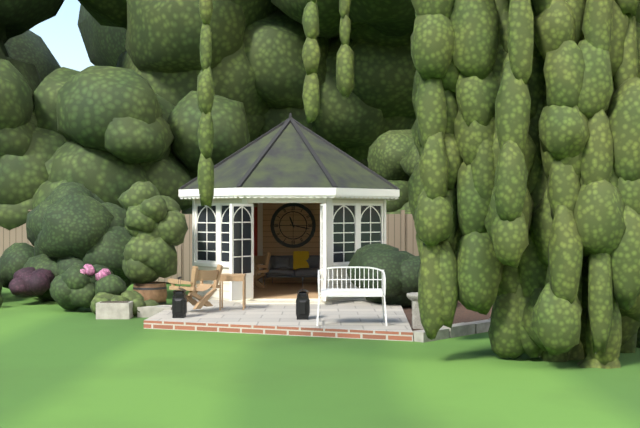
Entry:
**11:17**
